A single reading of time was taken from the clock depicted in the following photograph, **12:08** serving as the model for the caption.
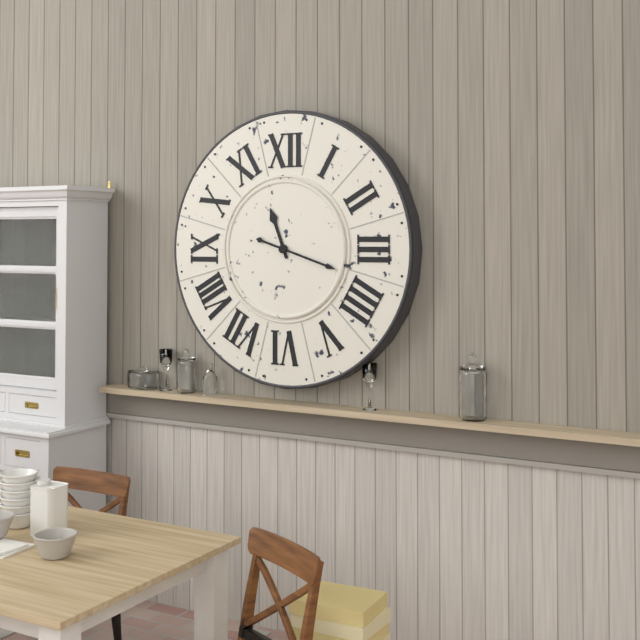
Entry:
**11:18**
